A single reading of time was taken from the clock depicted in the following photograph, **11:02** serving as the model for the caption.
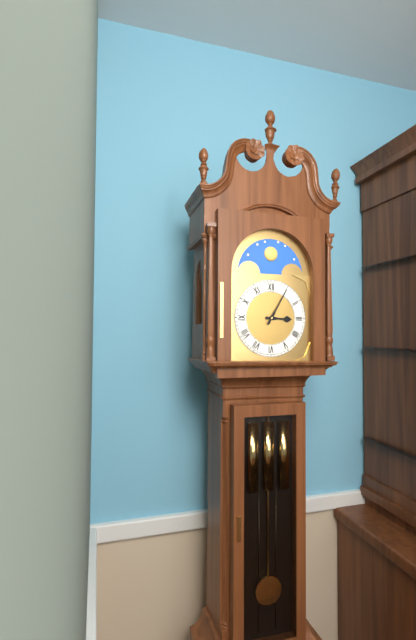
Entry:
**3:05**
